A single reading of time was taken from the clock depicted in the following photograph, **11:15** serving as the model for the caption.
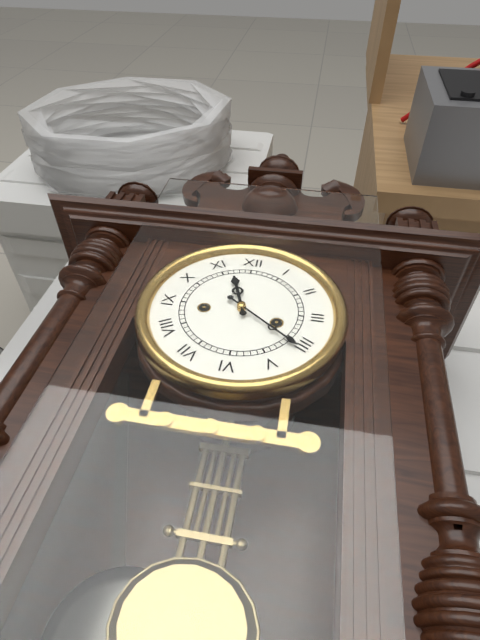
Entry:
**11:21**
